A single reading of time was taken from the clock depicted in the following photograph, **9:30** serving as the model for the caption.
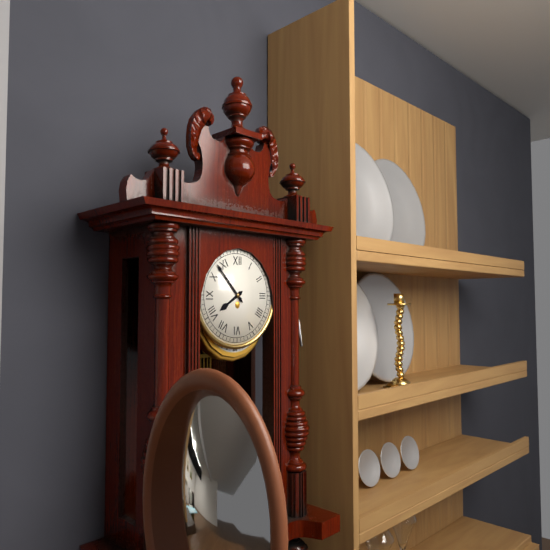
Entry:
**7:53**
